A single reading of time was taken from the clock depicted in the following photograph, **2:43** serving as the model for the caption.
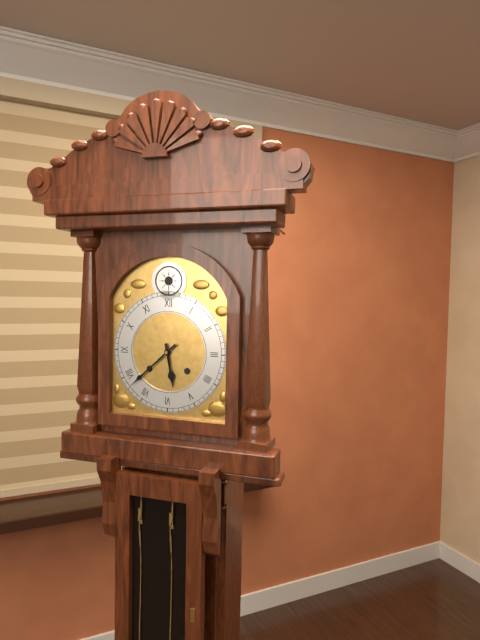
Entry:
**5:38**
